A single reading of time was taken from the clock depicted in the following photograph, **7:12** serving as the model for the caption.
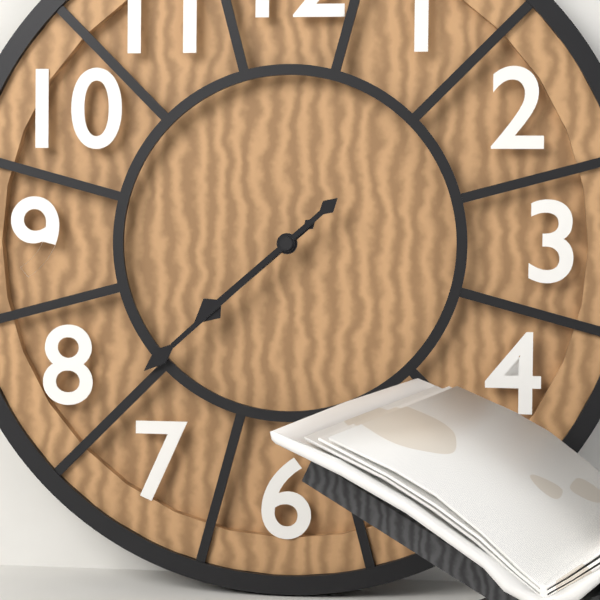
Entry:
**7:38**
